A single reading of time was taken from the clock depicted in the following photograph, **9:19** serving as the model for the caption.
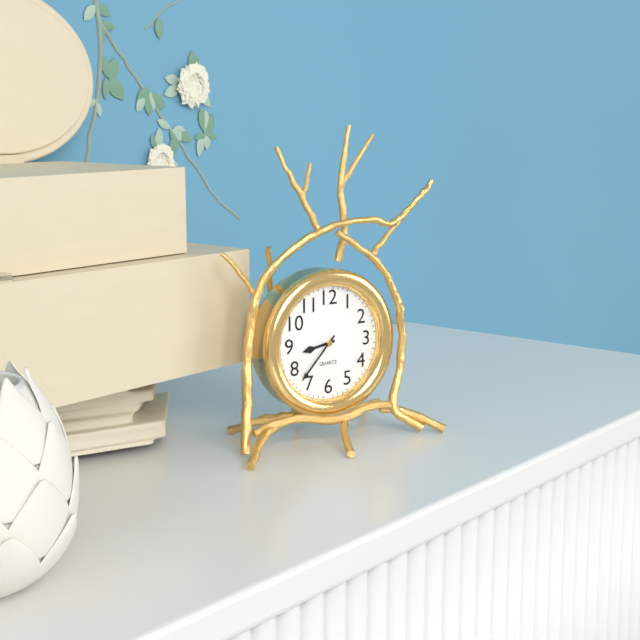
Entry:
**8:37**
